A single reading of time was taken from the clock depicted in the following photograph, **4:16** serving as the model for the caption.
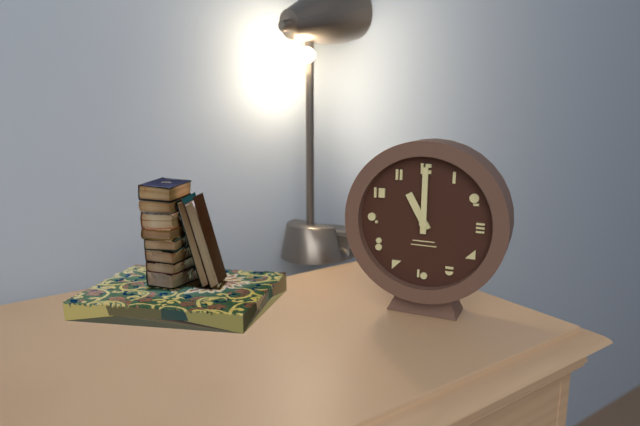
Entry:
**11:00**
